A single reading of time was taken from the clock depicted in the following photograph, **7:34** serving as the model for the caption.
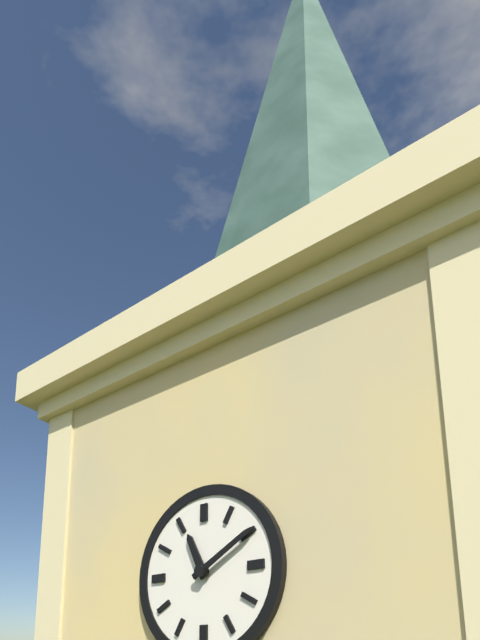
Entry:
**11:10**
